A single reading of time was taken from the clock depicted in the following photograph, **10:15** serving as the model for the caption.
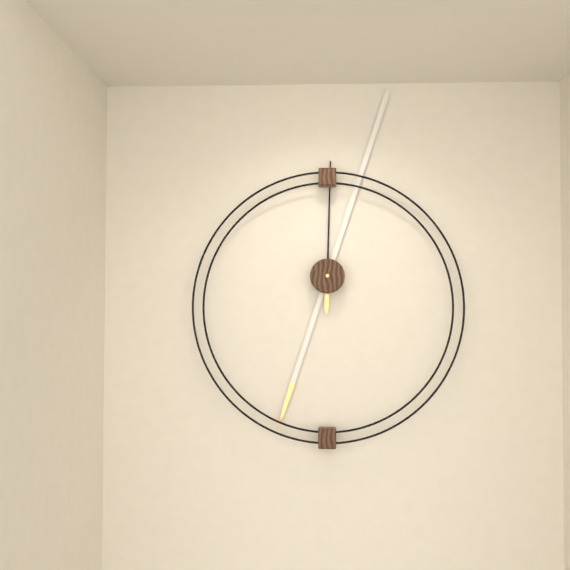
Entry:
**12:03**
